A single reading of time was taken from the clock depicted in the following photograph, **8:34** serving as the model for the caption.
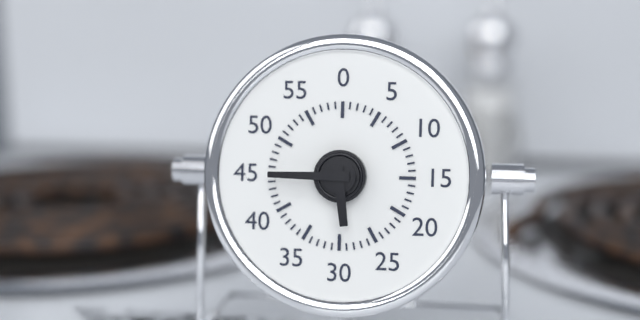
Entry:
**5:45**
